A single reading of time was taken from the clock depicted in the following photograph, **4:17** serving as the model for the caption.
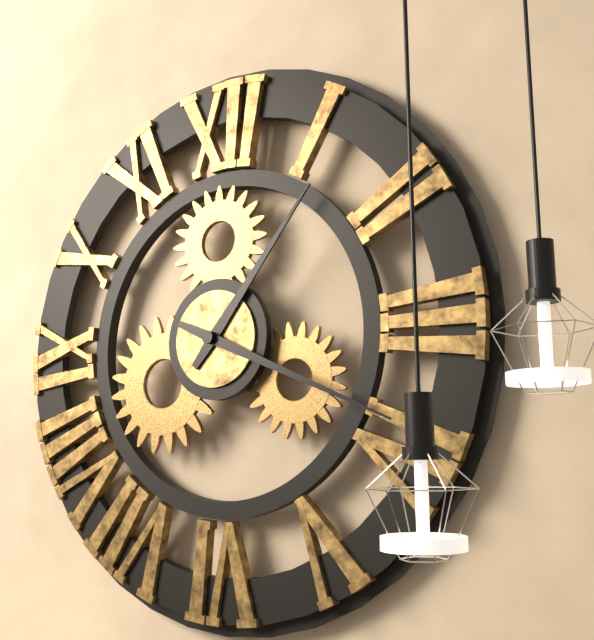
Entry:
**1:19**
